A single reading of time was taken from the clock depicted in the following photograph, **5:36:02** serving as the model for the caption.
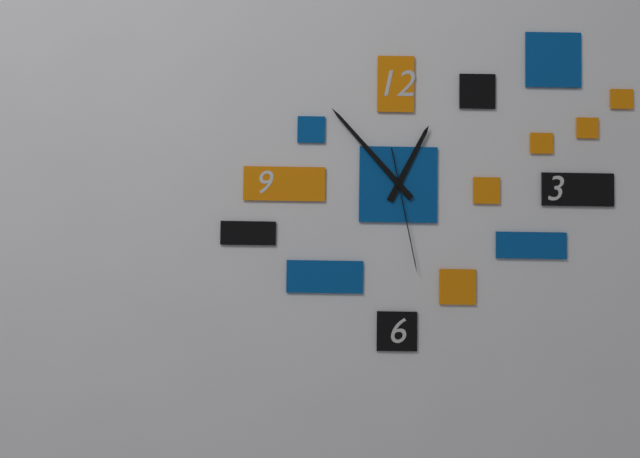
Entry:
**12:53:28**
